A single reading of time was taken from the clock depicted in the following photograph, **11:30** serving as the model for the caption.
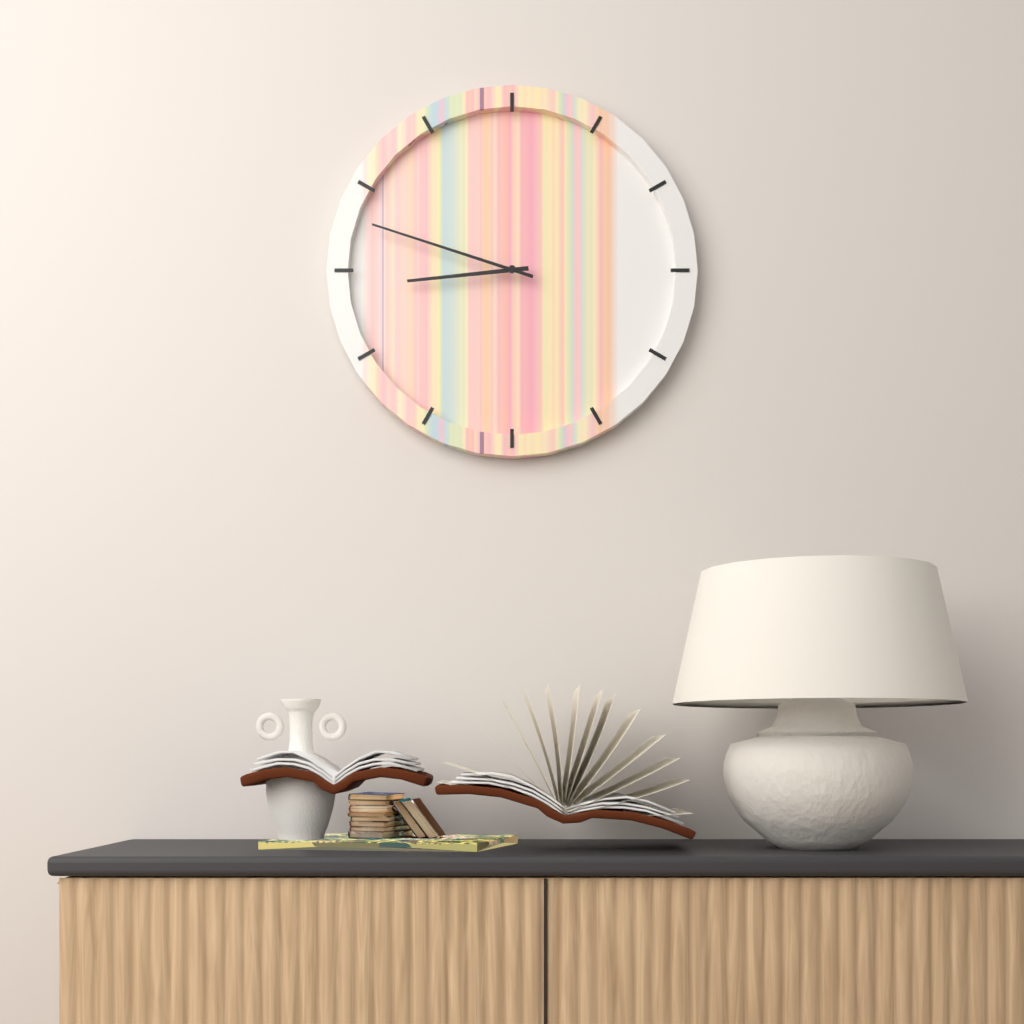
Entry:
**8:48**
